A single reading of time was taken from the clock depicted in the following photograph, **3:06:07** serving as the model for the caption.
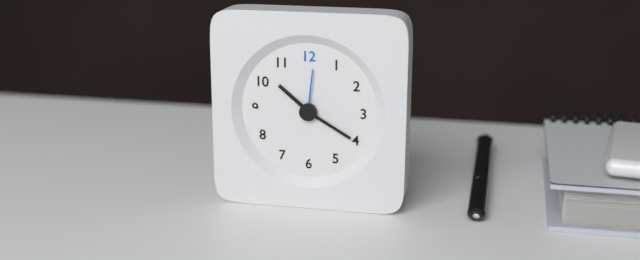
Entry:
**10:20:01**
